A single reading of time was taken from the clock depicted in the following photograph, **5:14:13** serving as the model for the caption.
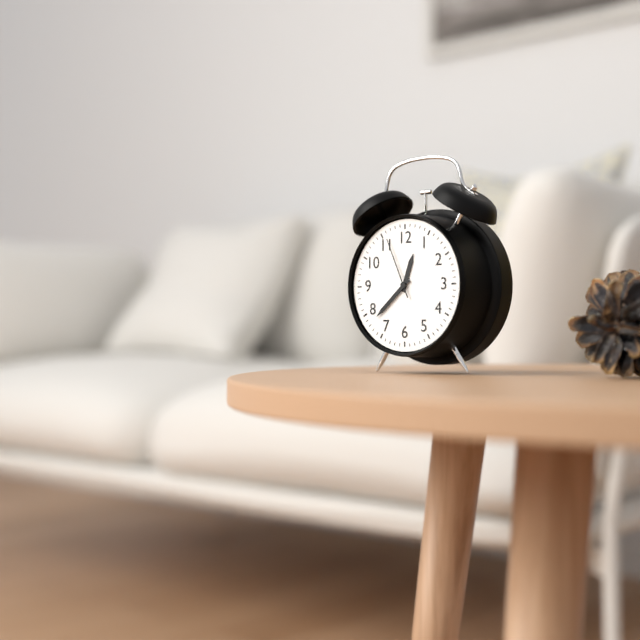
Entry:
**12:38:56**
